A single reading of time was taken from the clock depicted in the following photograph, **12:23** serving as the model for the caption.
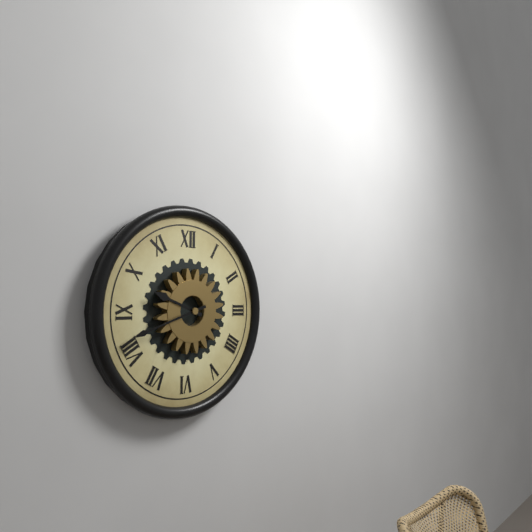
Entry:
**9:42**
